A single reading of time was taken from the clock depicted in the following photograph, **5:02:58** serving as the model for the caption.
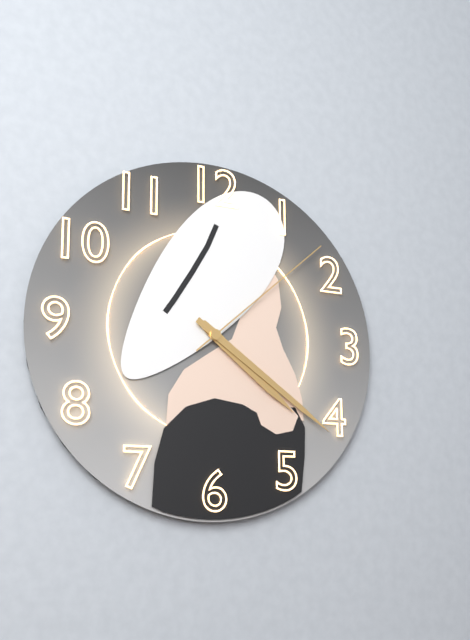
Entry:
**4:21:08**
